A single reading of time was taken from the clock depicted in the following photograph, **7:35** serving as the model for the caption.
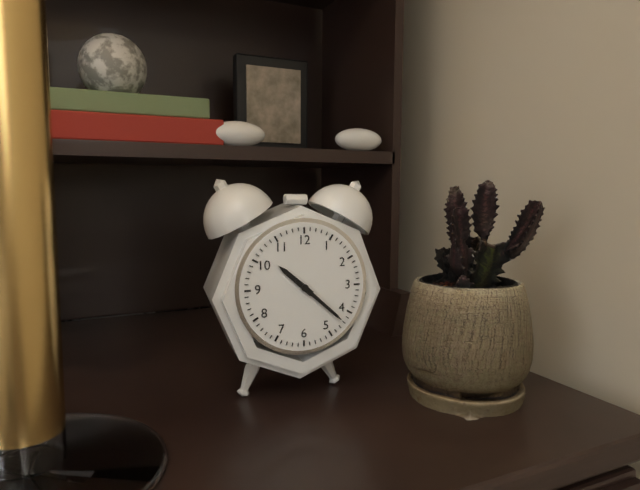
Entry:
**10:22**
